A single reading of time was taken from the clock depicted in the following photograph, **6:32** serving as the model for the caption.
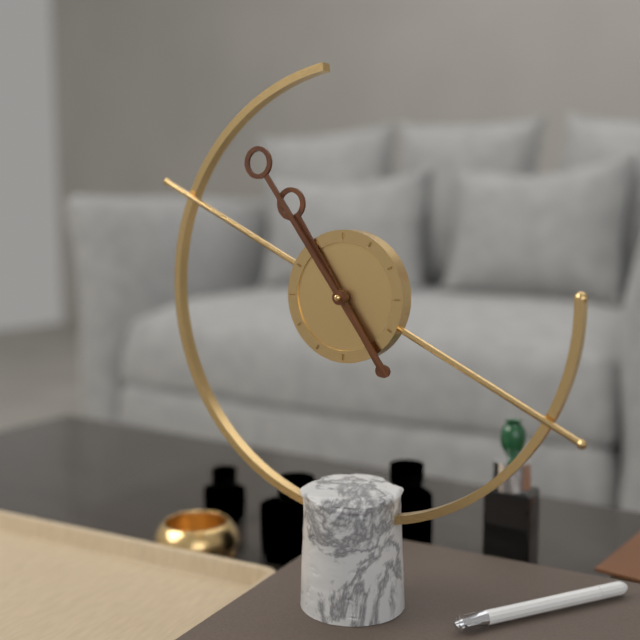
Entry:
**10:54**
